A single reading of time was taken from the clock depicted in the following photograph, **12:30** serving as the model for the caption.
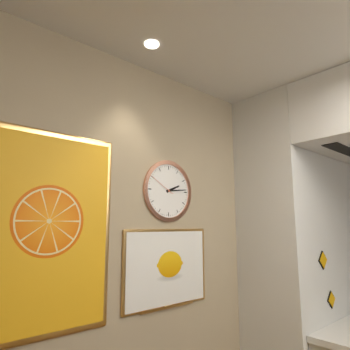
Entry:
**2:14**
